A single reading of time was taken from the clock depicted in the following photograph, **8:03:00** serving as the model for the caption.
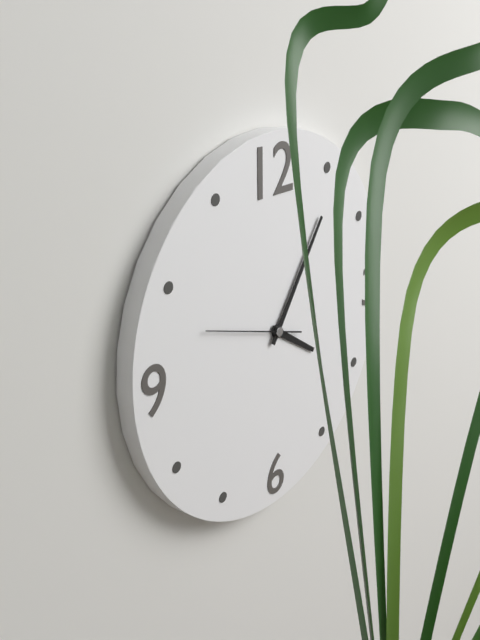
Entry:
**4:06:48**
